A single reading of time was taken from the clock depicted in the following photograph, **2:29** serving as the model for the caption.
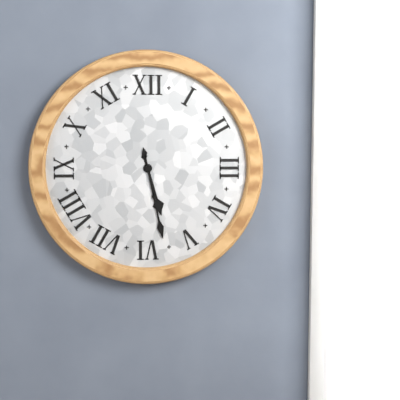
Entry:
**5:28**
